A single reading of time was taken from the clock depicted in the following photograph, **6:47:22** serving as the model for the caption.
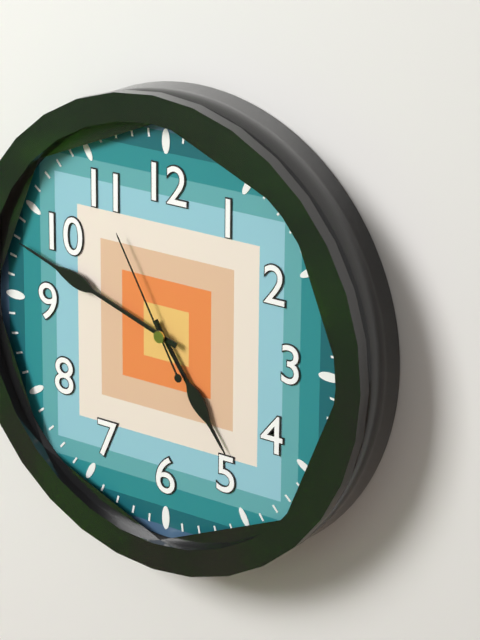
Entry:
**4:48:55**
